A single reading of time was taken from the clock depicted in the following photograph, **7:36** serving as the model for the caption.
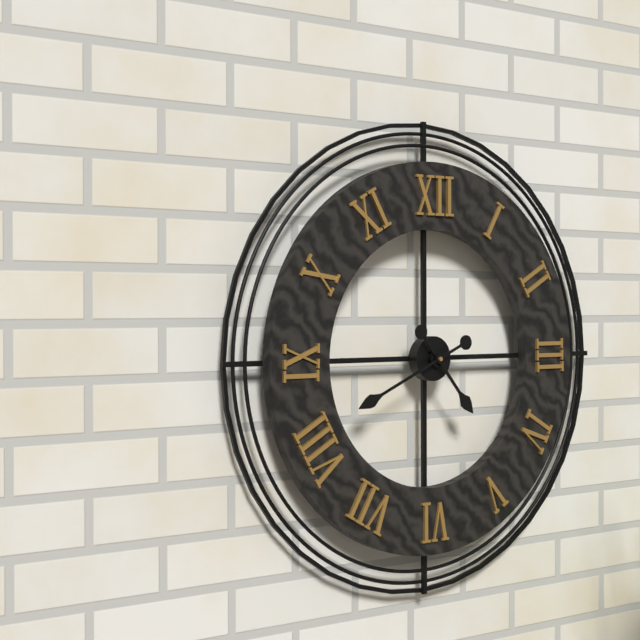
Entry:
**4:41**
